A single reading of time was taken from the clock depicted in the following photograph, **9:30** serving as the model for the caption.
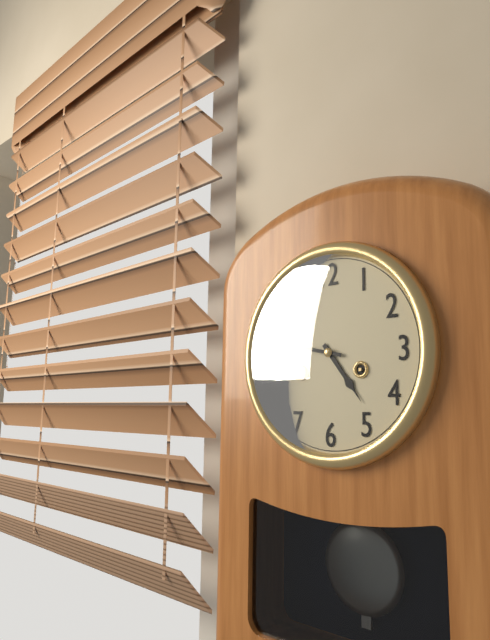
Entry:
**4:47**
